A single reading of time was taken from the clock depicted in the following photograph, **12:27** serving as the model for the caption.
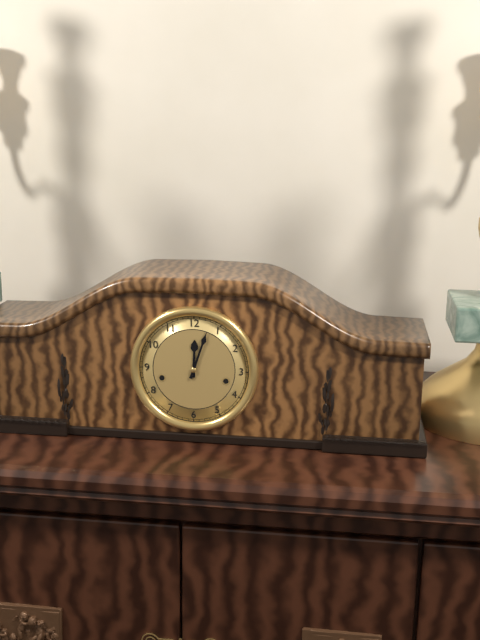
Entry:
**12:03**
